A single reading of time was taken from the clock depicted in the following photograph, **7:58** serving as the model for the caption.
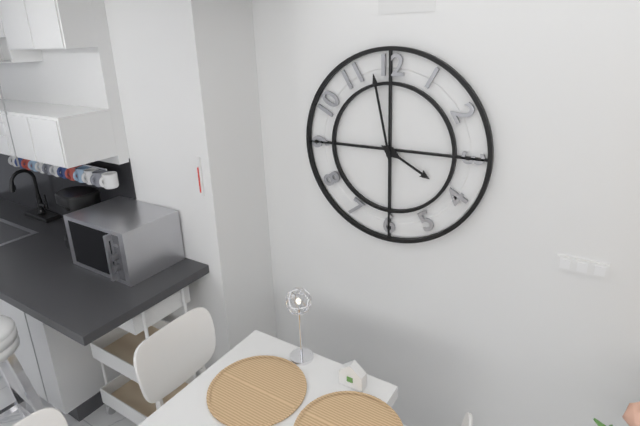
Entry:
**3:58**
